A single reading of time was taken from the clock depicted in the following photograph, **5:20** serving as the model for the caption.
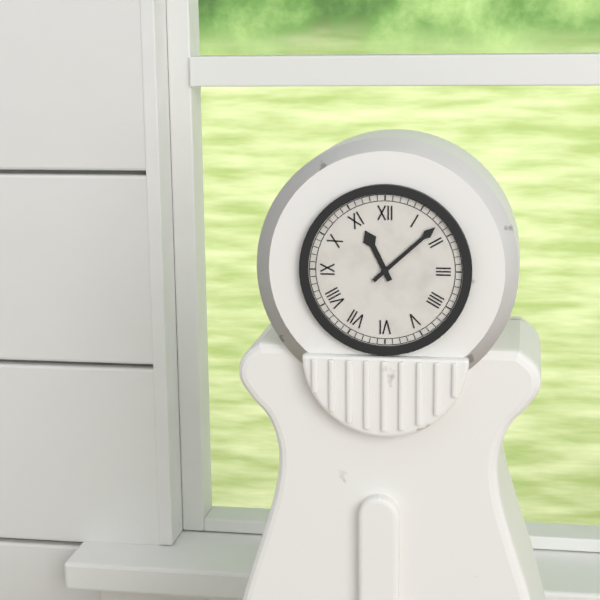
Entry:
**11:08**
